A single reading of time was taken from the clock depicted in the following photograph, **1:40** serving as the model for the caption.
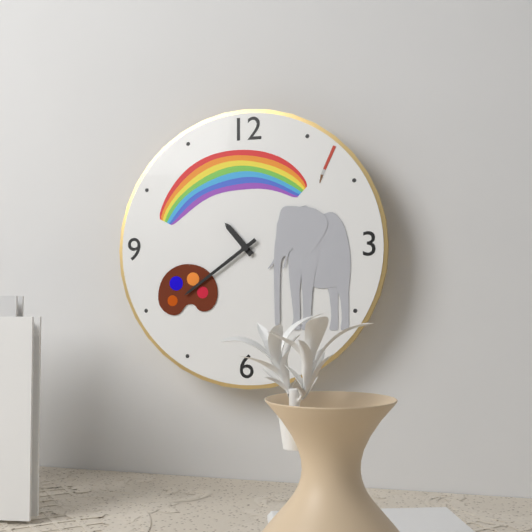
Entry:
**10:39**
